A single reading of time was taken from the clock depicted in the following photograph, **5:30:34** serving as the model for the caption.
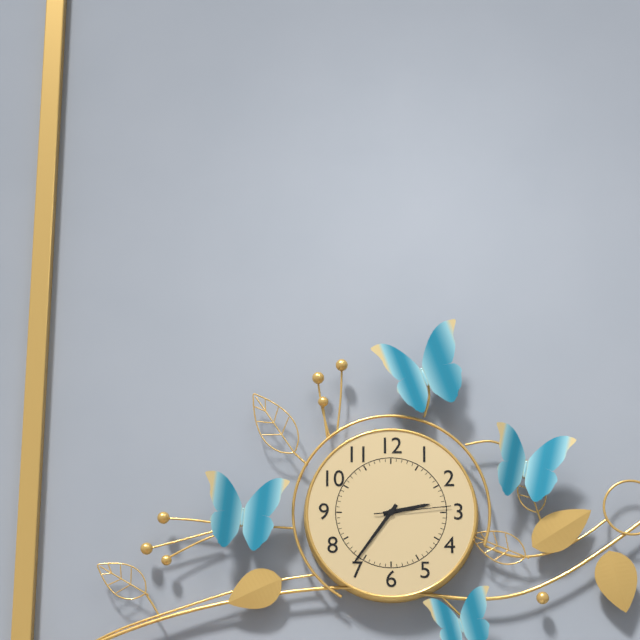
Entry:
**2:36:14**
